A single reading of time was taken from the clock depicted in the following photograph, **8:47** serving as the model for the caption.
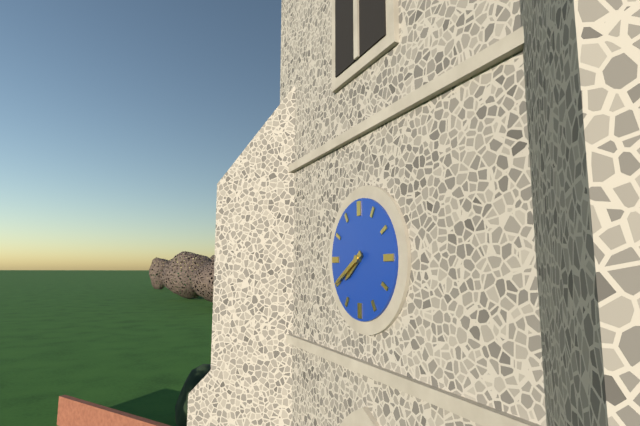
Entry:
**7:40**
